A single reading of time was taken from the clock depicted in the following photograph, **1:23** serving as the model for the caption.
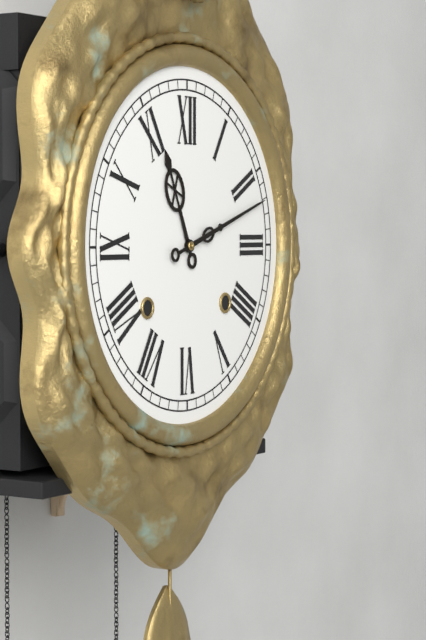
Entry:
**11:12**
